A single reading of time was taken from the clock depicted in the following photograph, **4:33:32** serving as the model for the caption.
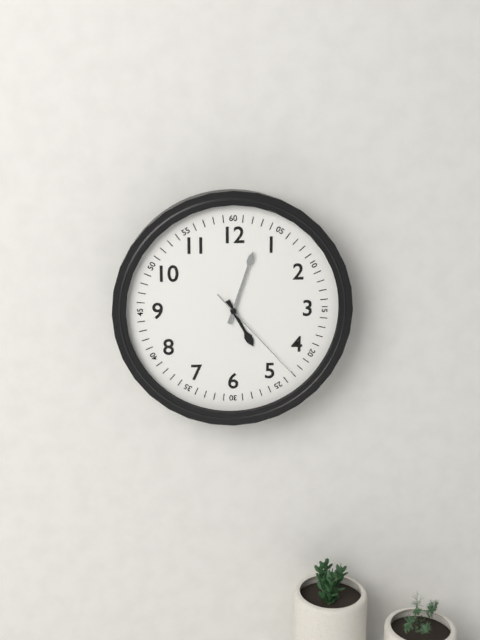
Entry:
**5:03:23**
